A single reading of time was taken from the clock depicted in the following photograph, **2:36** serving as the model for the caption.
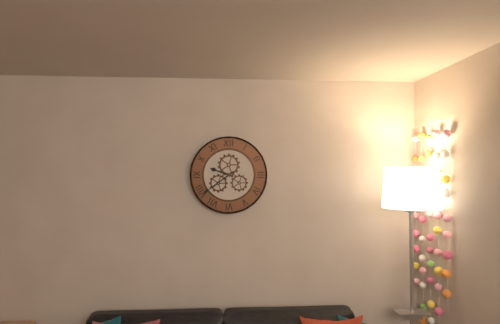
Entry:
**9:39**
